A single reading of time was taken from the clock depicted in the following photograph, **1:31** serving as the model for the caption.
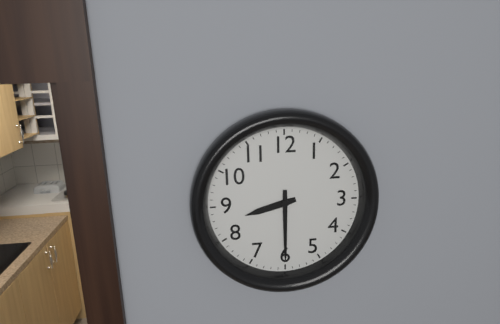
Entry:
**8:30**
